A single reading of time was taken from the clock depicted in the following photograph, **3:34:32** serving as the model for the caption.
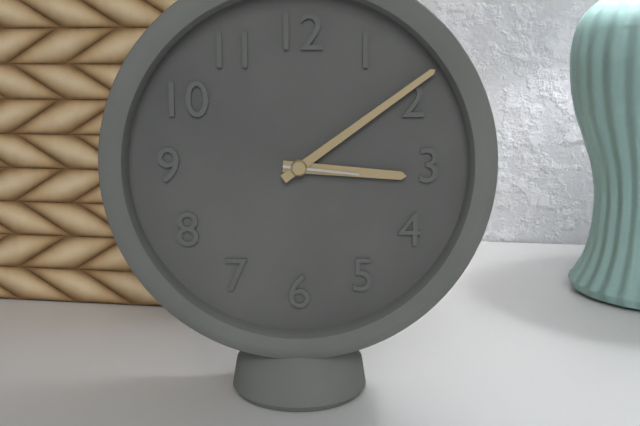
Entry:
**3:09:16**
